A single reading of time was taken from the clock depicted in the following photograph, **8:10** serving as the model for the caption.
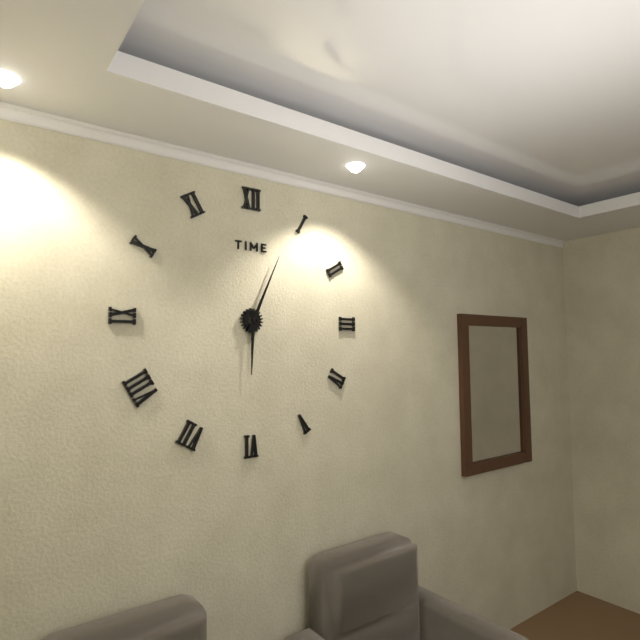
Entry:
**6:04**
